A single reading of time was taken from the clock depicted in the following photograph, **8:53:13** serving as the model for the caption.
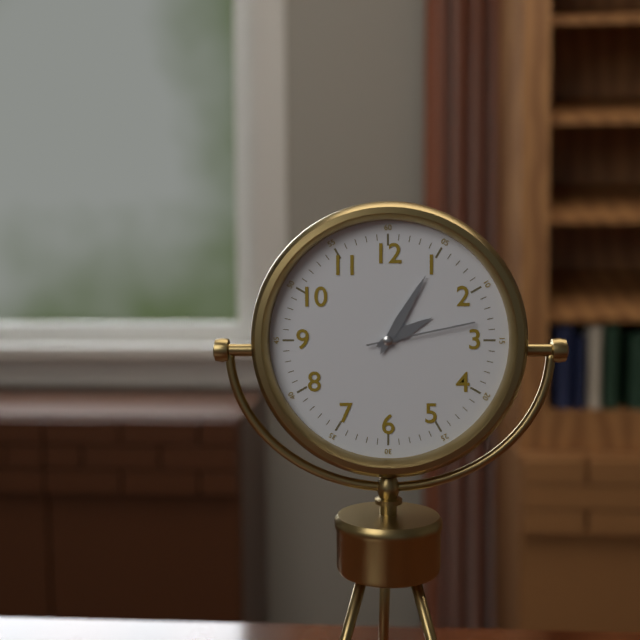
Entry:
**2:05:13**
